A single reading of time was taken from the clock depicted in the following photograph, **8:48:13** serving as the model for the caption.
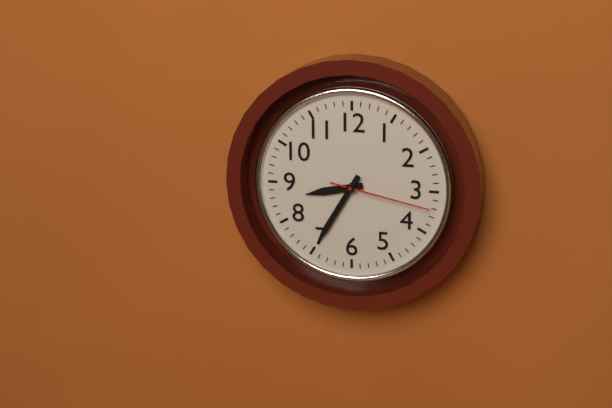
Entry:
**8:35:17**
